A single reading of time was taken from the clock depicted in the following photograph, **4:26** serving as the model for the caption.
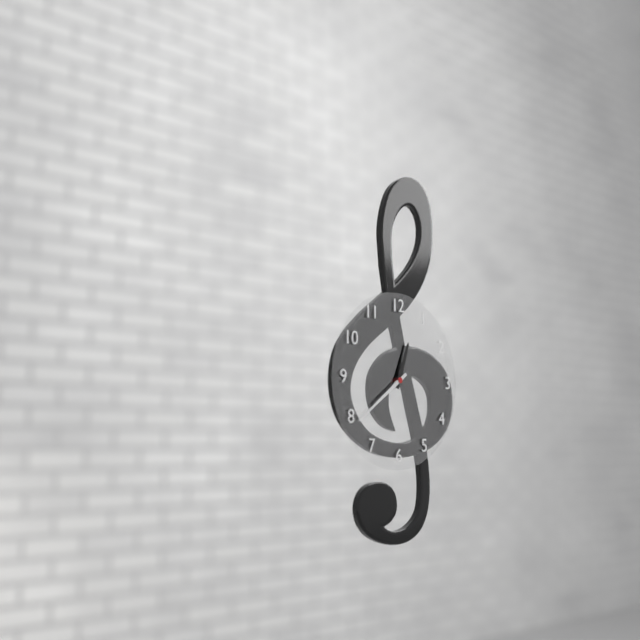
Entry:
**12:39**
